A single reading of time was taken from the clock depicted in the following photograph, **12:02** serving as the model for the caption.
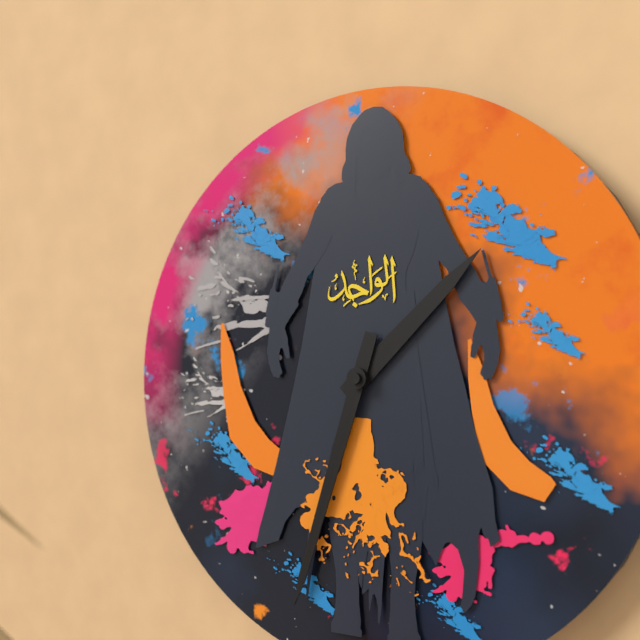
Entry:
**1:33**
